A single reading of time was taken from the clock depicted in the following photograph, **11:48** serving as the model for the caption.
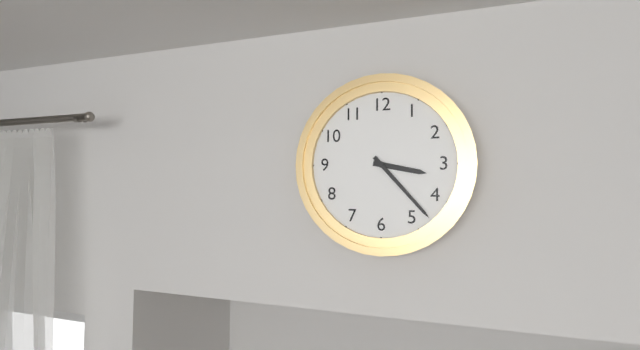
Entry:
**3:23**
